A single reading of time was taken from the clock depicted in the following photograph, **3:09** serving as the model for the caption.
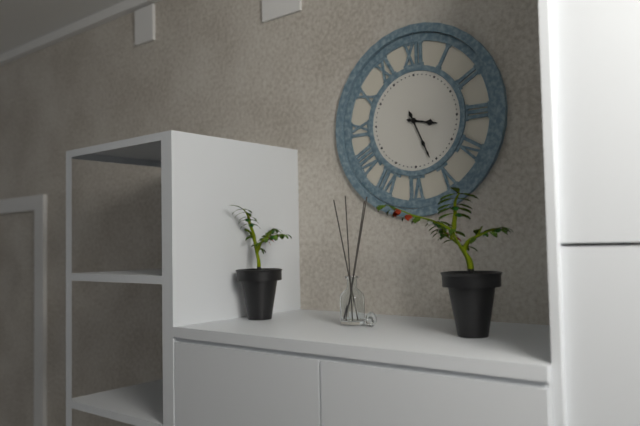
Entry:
**3:26**
